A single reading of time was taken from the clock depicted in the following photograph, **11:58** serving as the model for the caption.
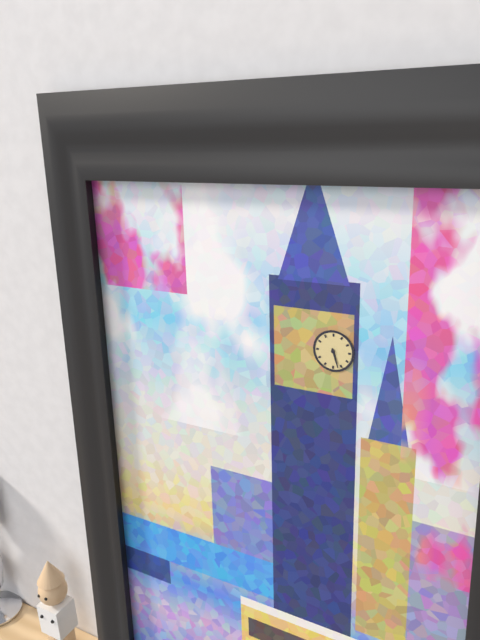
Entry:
**5:27**
